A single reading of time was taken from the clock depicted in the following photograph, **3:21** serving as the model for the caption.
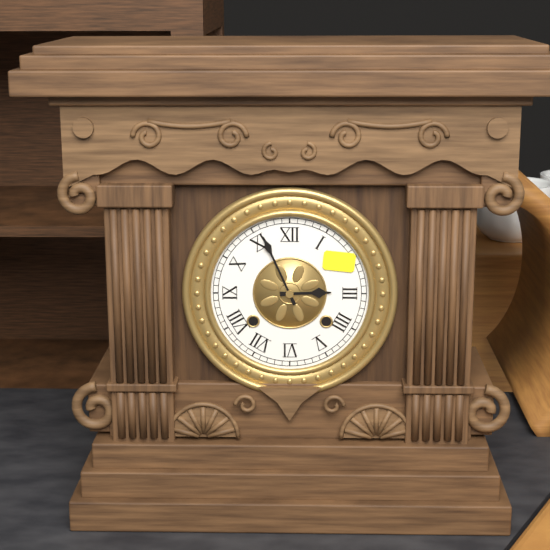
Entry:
**2:56**
